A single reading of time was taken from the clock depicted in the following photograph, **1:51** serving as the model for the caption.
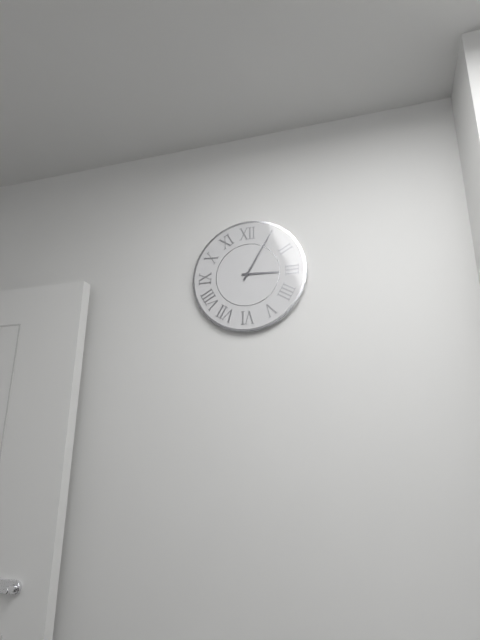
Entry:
**3:05**
